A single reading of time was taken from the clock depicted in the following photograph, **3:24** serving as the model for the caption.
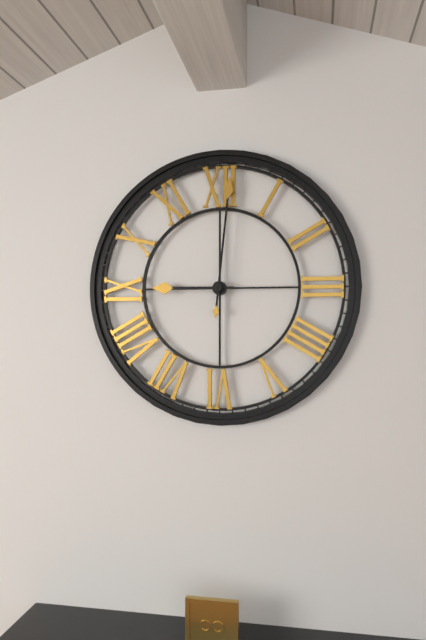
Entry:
**9:01**
